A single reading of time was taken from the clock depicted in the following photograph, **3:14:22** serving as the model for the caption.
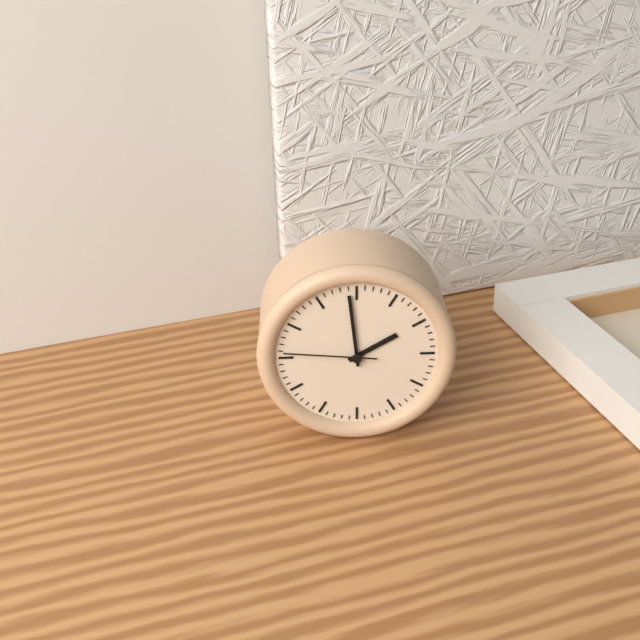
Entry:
**1:59:46**
